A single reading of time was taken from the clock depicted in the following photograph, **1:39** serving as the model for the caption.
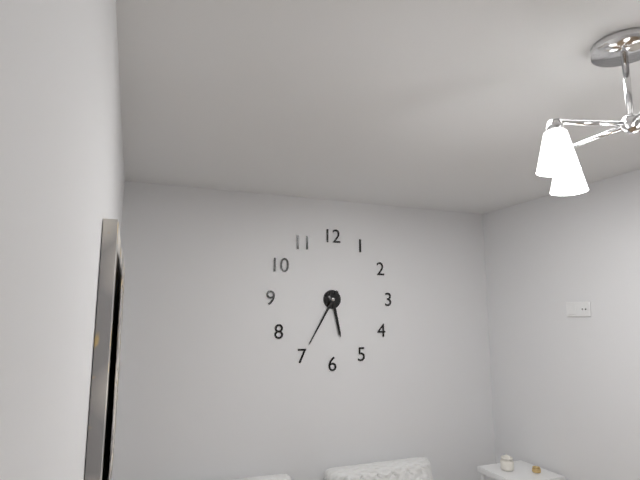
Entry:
**5:35**
